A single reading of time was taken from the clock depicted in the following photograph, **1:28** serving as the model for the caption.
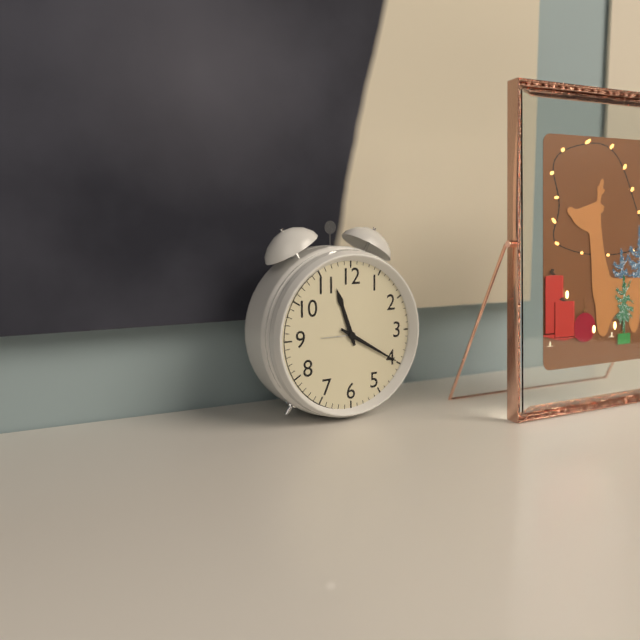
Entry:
**11:20**
